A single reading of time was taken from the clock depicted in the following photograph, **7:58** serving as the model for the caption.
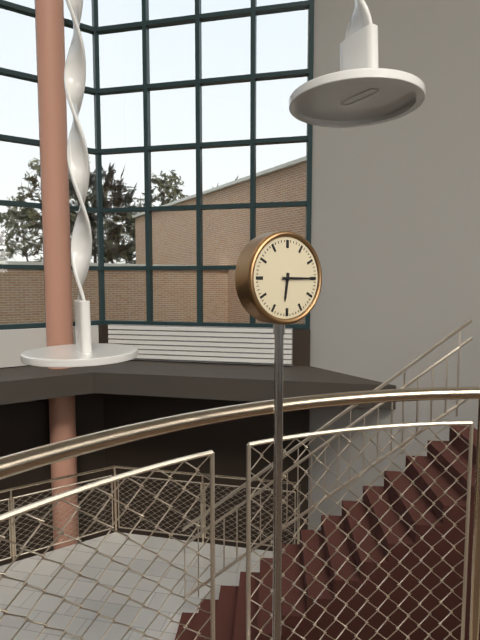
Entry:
**6:15**
